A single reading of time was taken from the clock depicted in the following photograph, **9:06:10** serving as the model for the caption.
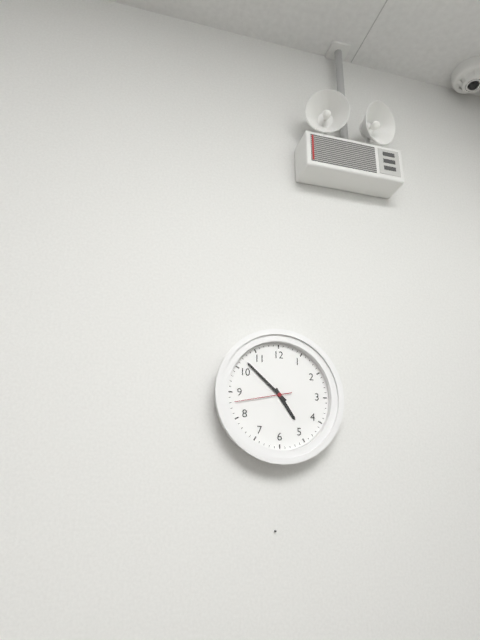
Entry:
**4:52:43**
